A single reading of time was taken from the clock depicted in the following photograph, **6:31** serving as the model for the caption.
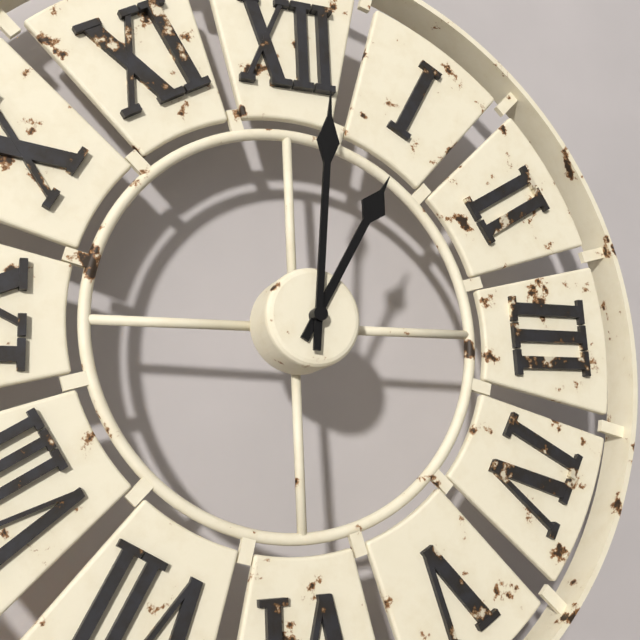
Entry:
**1:01**
